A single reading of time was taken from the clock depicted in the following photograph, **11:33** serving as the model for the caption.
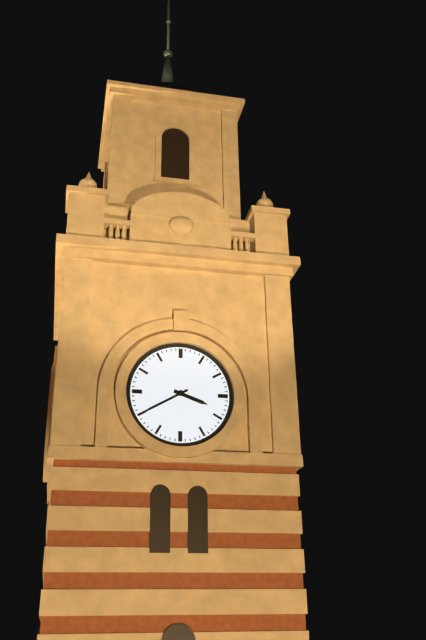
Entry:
**3:40**
